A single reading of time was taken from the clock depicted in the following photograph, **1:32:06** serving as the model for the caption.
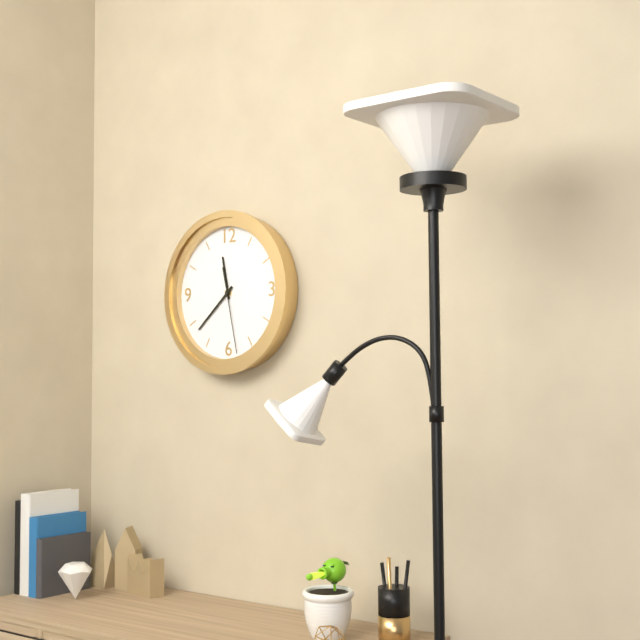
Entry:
**11:38:28**
